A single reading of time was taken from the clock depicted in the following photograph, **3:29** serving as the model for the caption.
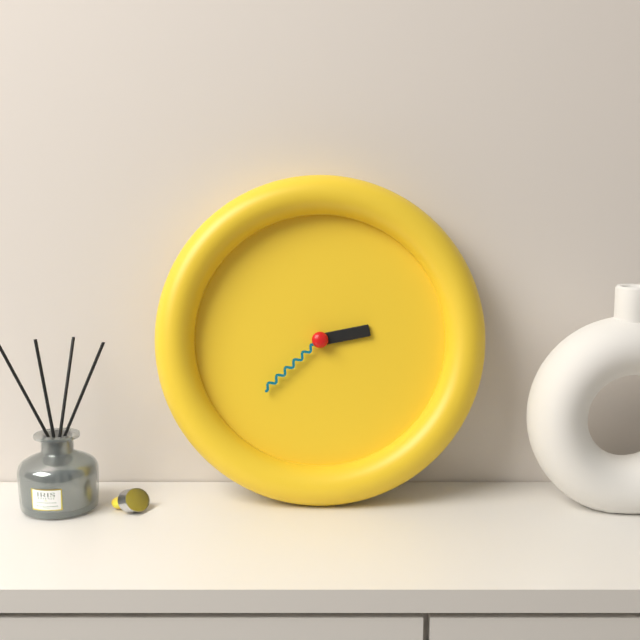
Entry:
**2:38**
